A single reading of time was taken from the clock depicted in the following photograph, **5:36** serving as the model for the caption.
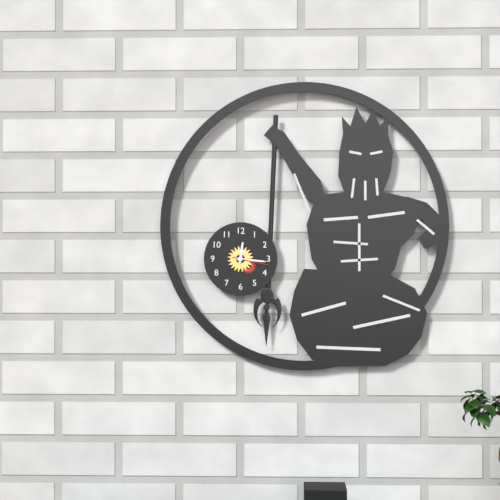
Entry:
**12:16**
